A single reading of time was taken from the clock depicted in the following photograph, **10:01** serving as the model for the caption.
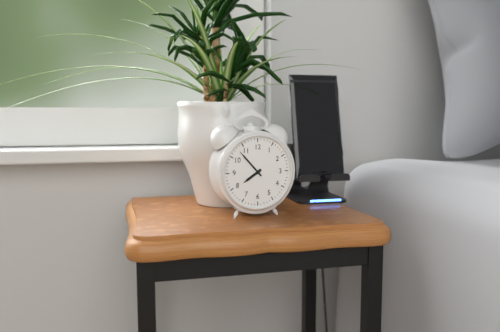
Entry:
**7:53**
